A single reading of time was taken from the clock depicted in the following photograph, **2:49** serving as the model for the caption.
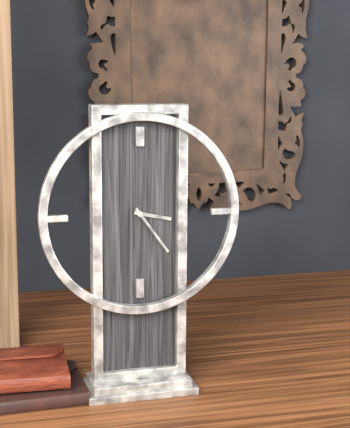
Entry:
**3:24**
